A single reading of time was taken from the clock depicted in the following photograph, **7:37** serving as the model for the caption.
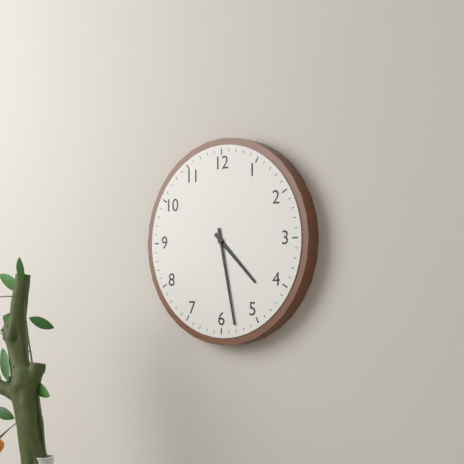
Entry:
**4:28**
